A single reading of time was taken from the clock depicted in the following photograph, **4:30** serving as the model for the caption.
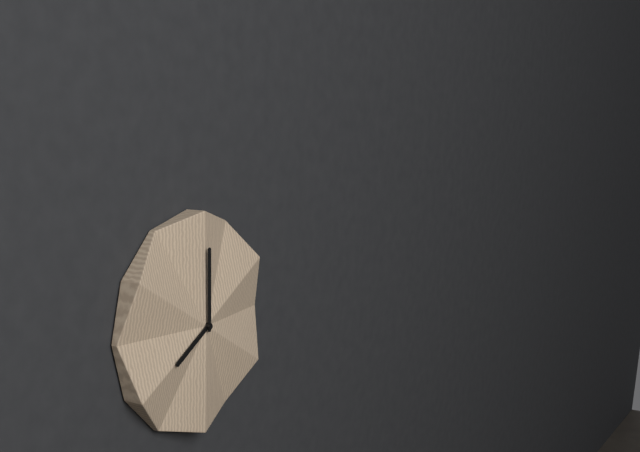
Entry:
**8:00**
